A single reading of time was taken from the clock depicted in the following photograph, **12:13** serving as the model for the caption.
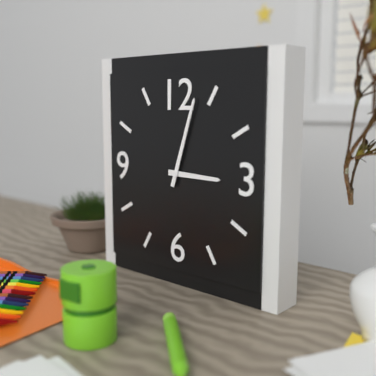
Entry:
**3:03**
